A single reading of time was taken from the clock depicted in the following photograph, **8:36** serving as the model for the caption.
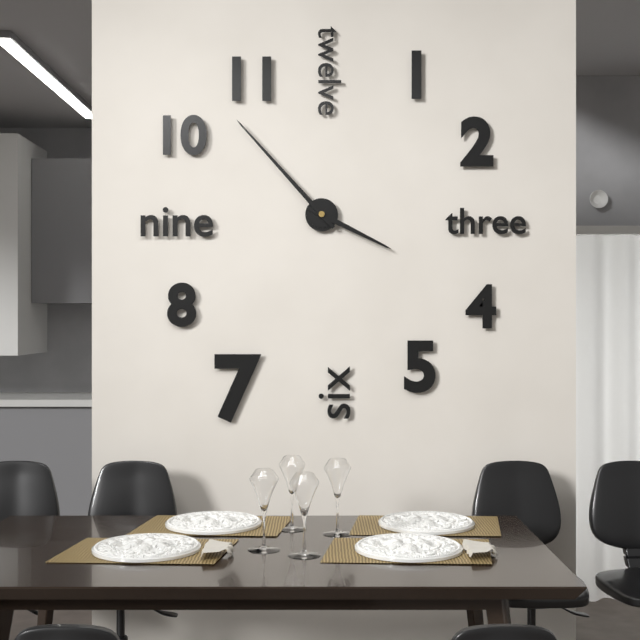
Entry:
**3:53**
